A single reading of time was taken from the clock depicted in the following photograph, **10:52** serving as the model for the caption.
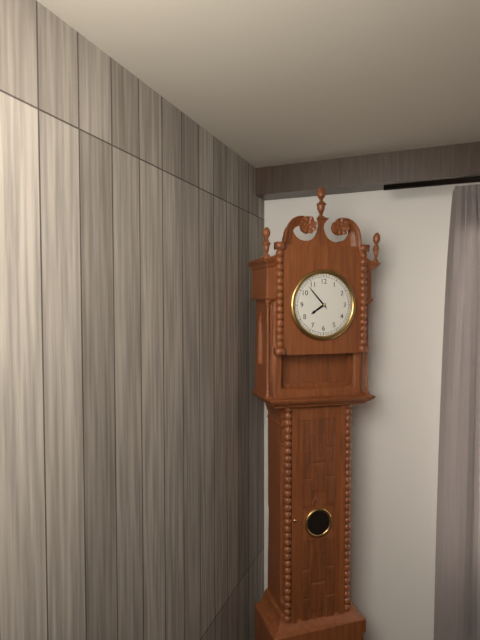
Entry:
**7:53**
